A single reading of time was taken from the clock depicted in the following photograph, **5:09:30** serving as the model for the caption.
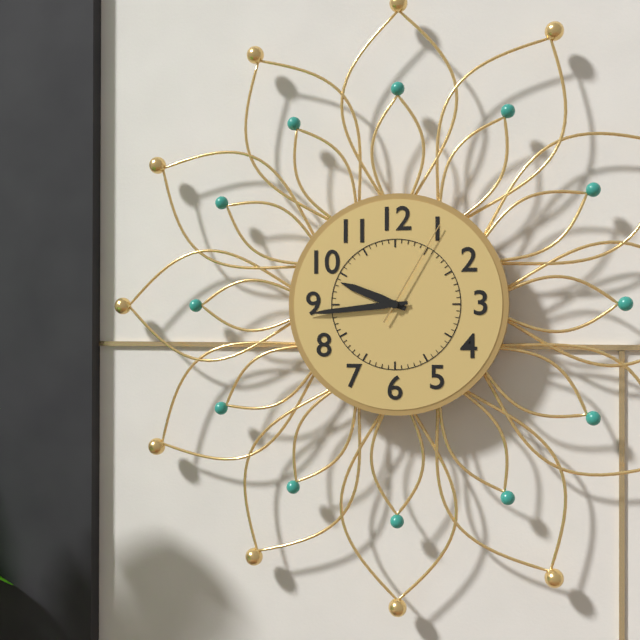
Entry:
**9:44:05**
